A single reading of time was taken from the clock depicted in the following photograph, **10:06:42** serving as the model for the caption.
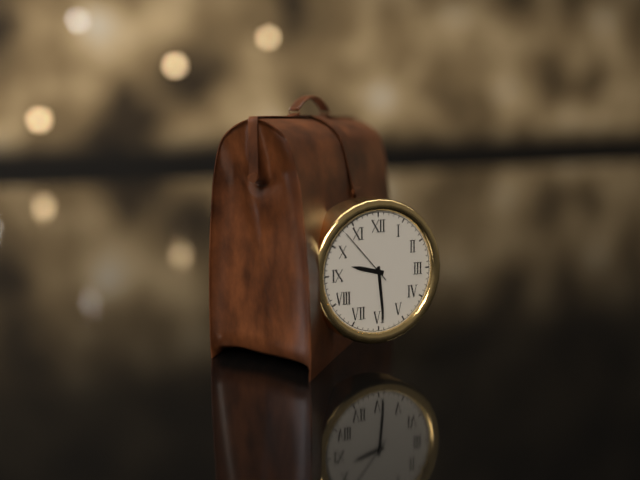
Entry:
**9:29:53**
